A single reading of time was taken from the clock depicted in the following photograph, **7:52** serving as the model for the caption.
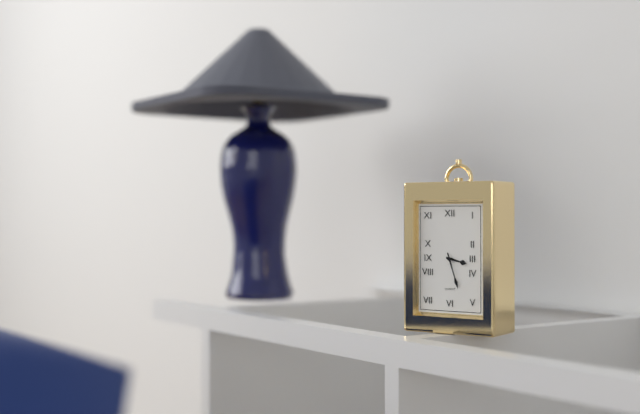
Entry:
**3:27**
